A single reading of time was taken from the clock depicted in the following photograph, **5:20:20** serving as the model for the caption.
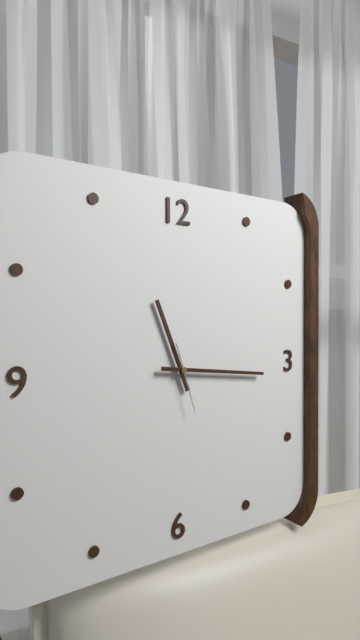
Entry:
**11:16:27**
